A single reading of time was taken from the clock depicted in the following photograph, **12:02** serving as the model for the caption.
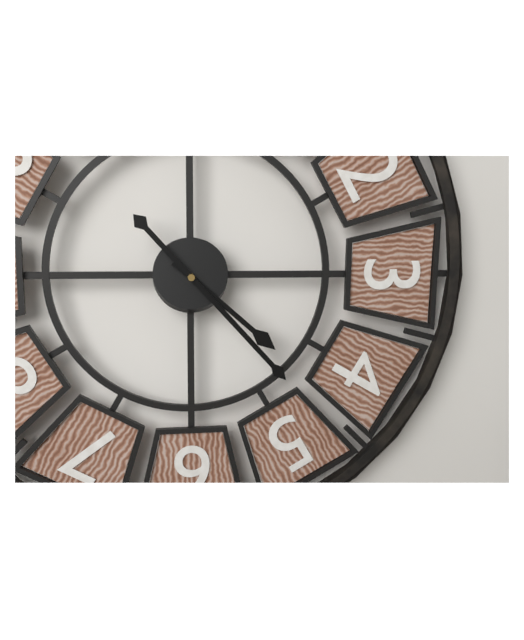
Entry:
**4:23**
